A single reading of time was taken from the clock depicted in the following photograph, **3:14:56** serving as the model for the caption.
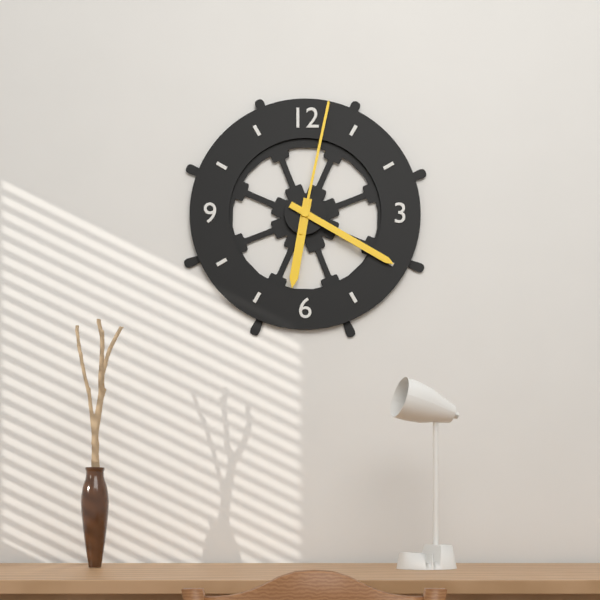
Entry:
**6:20:02**
